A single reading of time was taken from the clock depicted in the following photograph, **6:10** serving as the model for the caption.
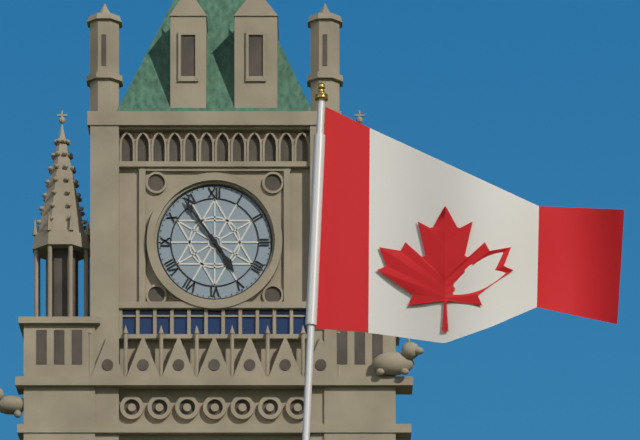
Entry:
**4:54**
